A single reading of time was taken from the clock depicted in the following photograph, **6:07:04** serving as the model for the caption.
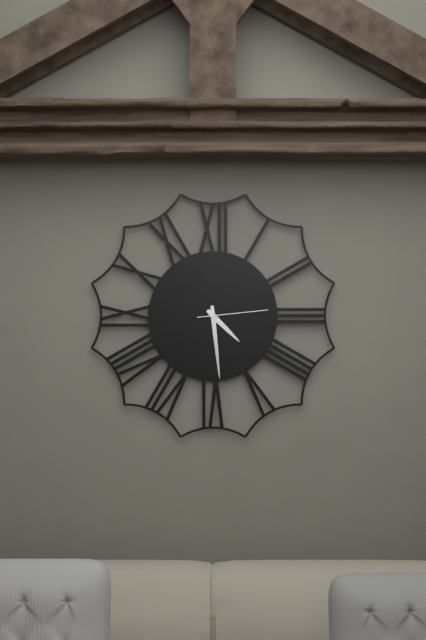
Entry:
**4:29:14**
